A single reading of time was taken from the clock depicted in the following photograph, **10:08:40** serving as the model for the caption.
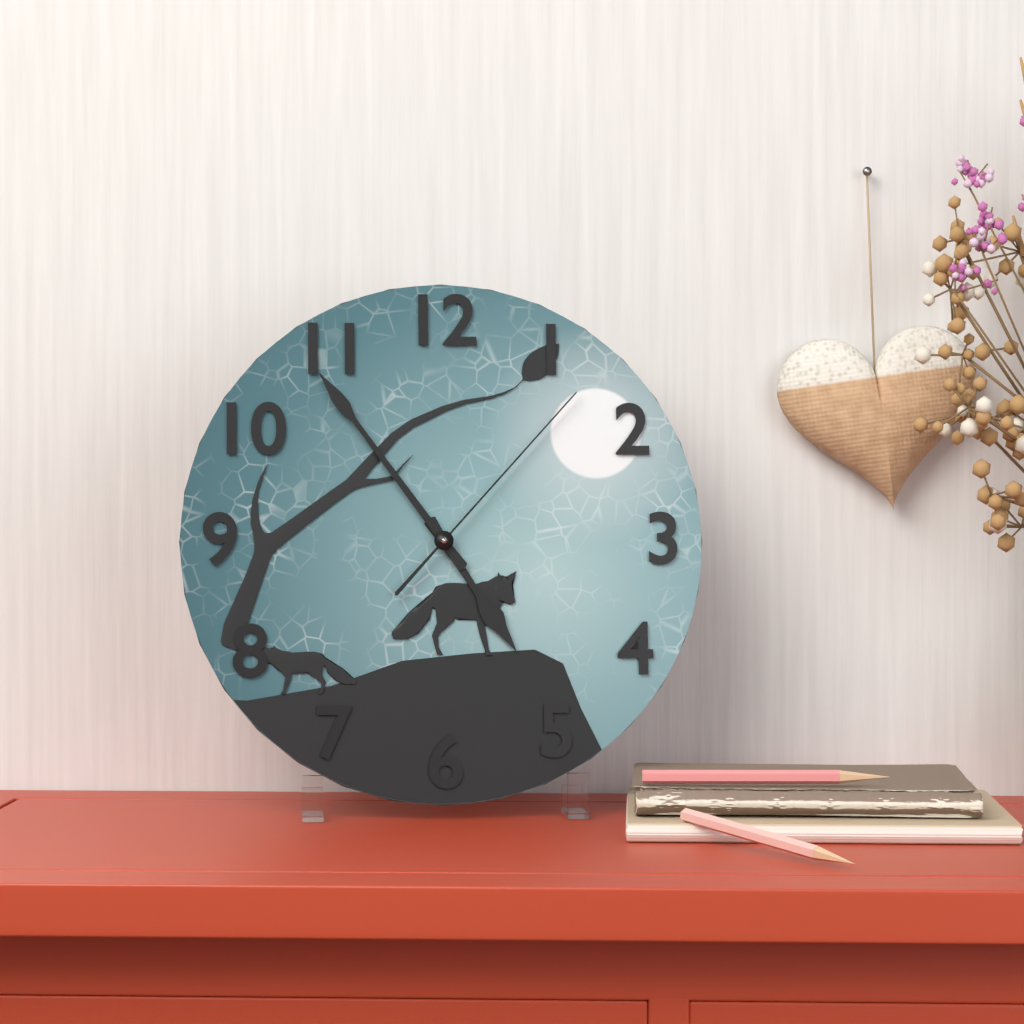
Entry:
**4:54:07**
